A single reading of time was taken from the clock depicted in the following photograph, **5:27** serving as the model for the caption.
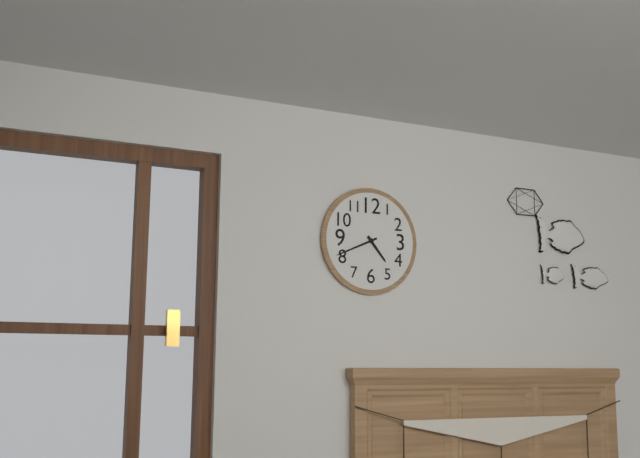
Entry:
**4:41**
